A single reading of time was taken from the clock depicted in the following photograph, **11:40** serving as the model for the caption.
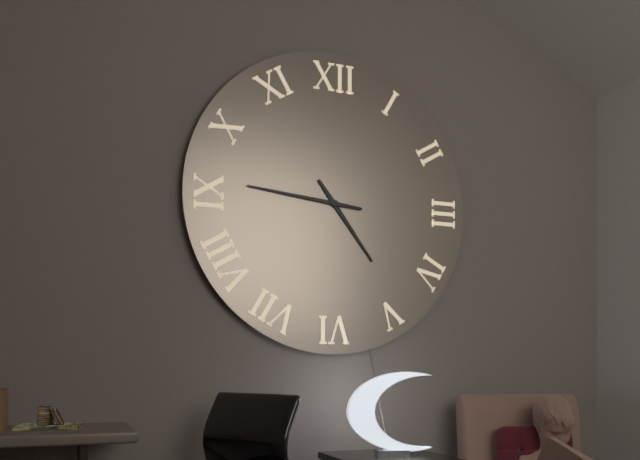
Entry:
**4:46**
